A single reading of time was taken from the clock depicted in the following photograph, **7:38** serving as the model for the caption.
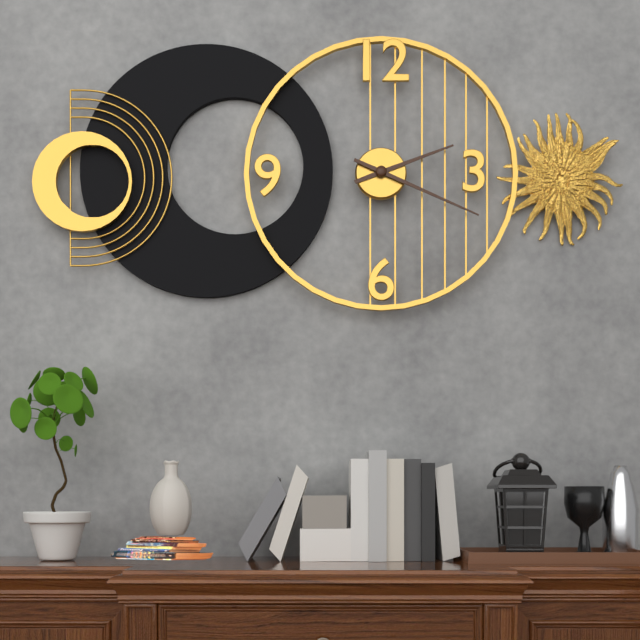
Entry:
**2:19**
